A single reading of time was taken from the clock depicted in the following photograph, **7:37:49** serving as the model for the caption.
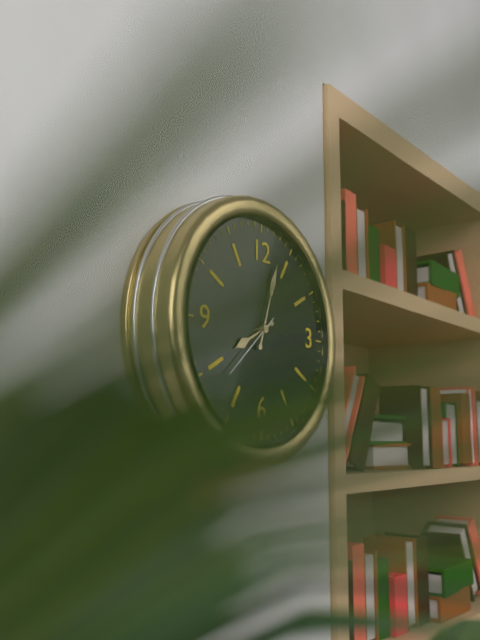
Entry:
**8:03:38**
